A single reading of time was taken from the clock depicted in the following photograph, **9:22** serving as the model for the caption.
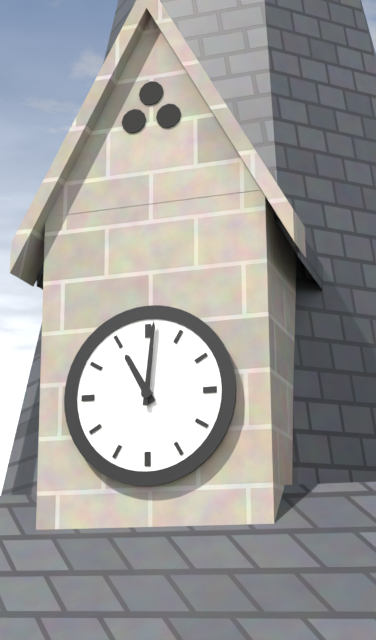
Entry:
**11:01**
